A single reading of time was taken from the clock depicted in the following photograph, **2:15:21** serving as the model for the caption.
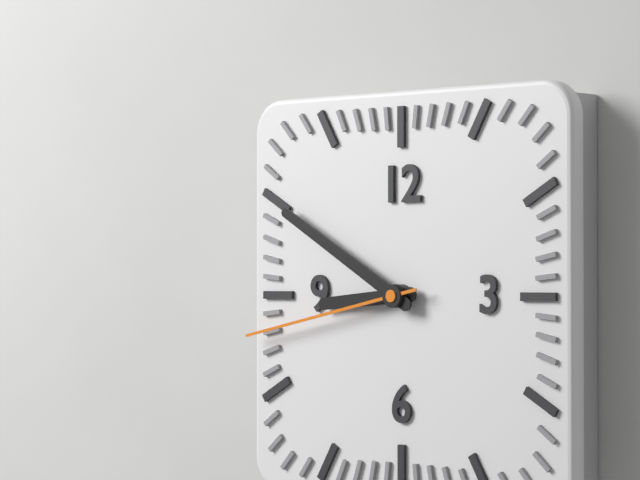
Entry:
**8:50:43**
